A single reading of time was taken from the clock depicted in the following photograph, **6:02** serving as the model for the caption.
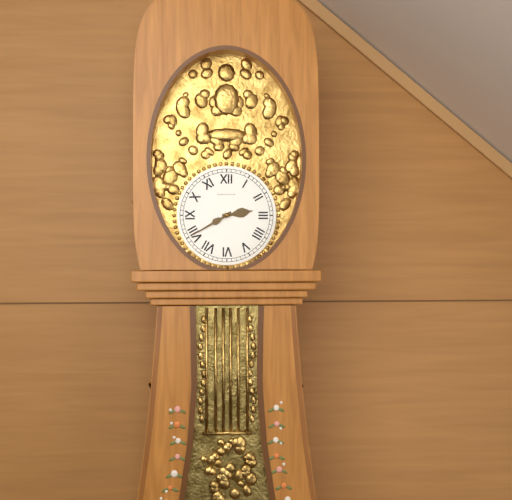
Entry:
**2:40**
